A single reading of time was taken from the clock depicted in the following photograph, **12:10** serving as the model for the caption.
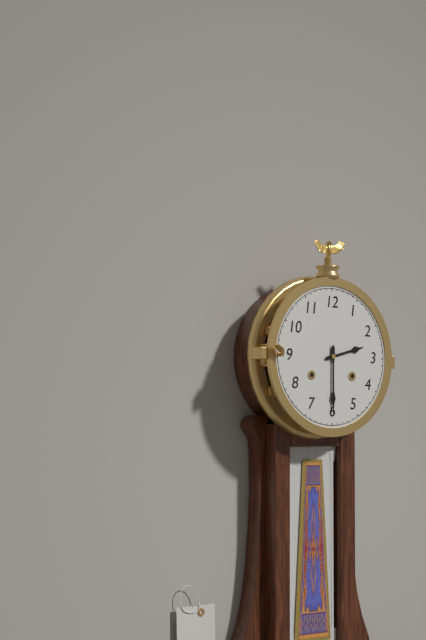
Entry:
**2:30**
